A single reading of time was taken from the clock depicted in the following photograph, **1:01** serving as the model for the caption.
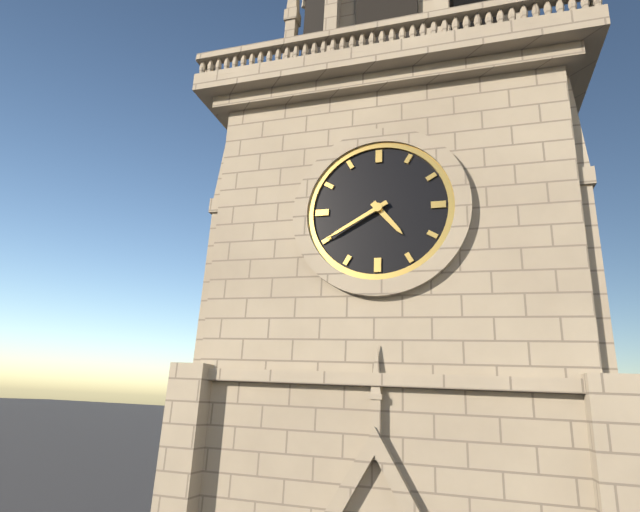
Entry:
**4:40**
